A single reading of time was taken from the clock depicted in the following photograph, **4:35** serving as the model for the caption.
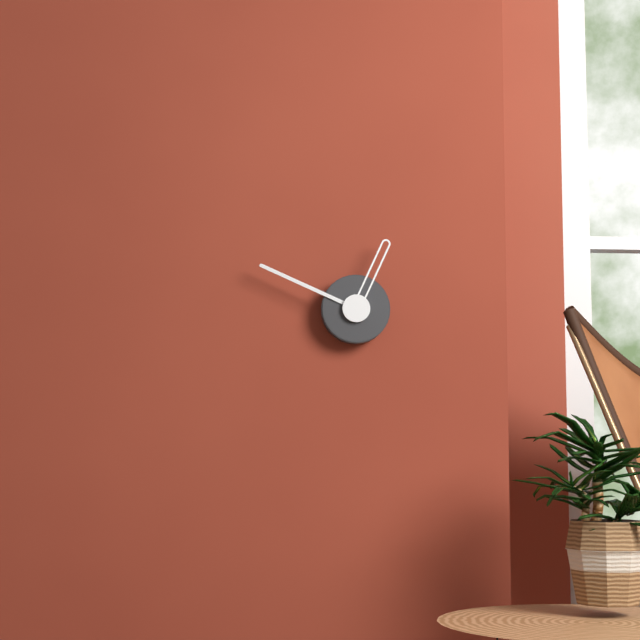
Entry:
**12:49**
